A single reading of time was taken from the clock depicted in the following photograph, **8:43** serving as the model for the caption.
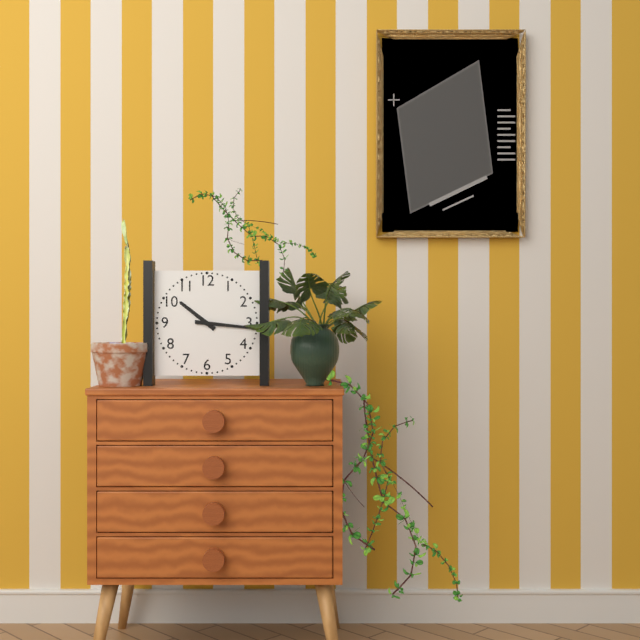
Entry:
**10:16**
